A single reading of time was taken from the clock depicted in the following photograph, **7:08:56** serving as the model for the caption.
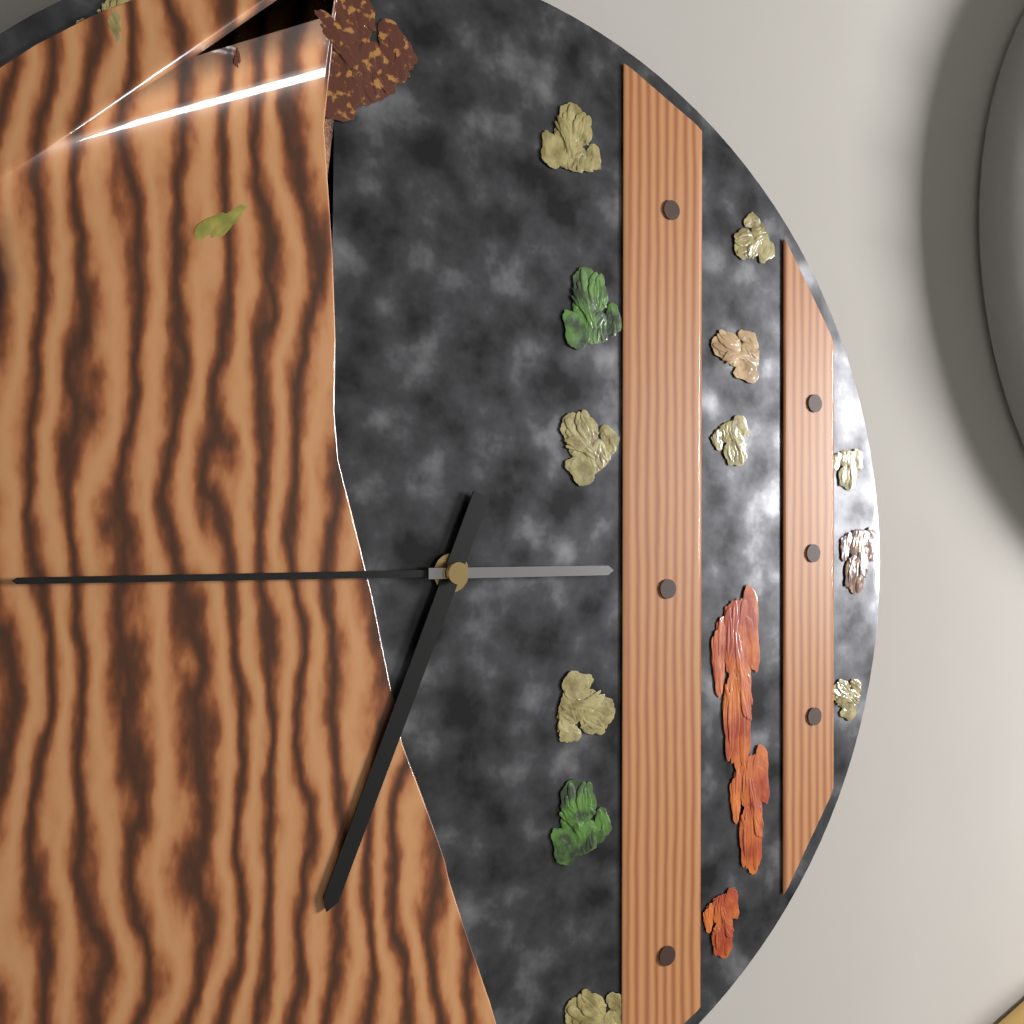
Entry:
**6:45:15**
